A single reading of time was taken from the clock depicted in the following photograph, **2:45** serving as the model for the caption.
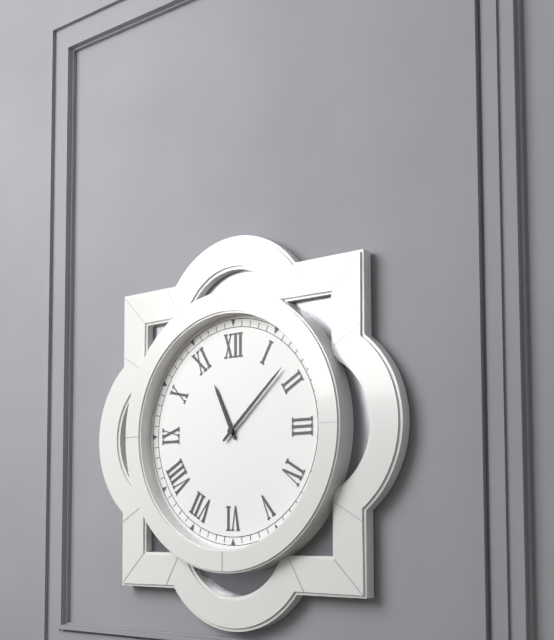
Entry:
**11:08**
